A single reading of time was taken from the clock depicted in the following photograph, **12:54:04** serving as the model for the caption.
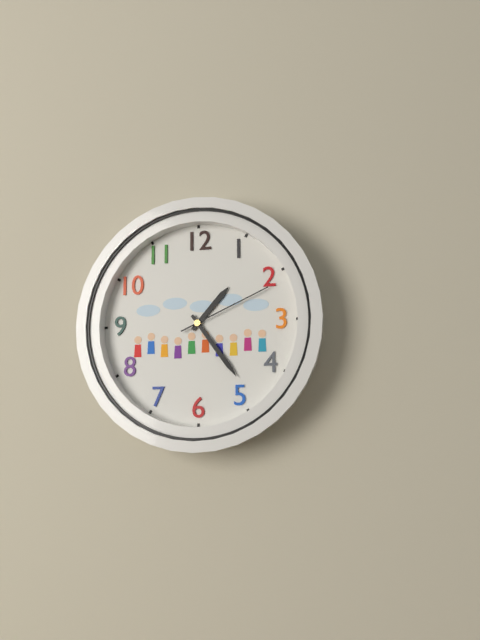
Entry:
**1:24:11**
